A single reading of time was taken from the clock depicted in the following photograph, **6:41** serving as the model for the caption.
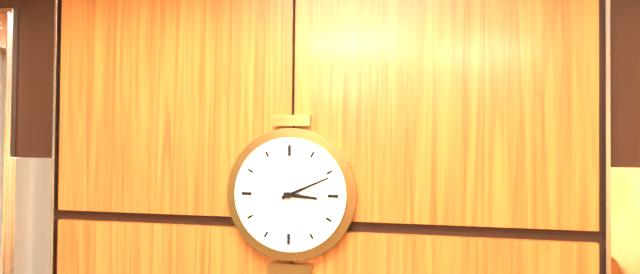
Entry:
**3:11**
